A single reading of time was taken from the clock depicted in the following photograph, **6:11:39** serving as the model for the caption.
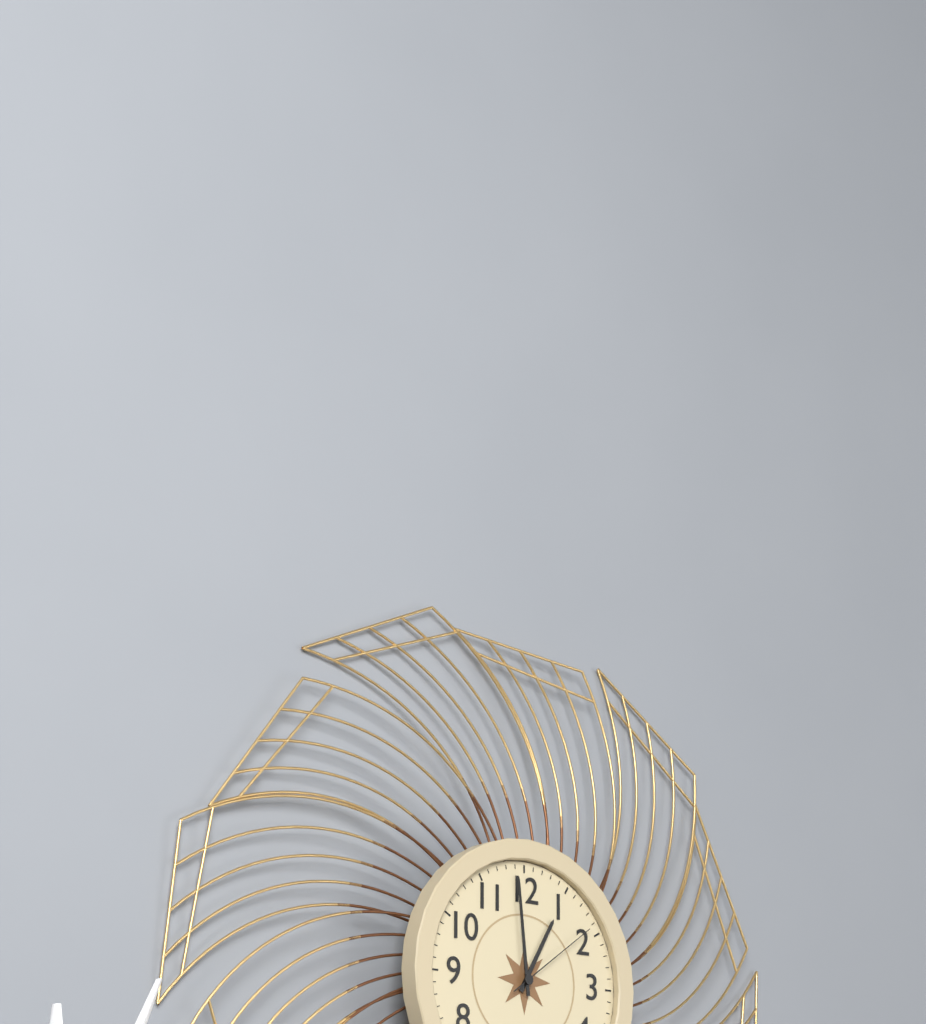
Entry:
**12:59:09**
